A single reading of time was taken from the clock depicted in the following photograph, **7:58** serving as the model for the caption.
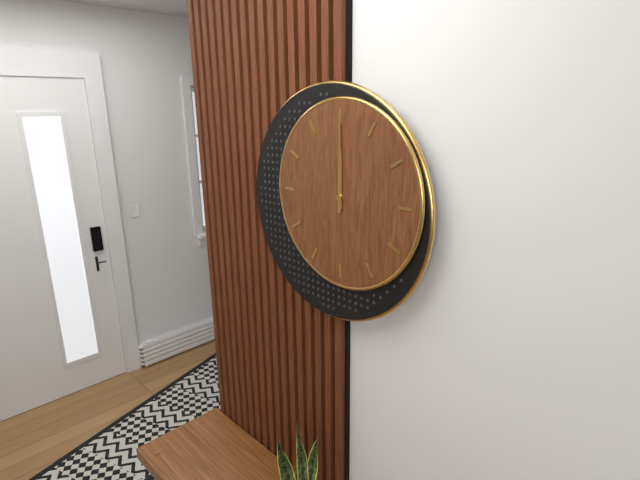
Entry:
**12:00**
